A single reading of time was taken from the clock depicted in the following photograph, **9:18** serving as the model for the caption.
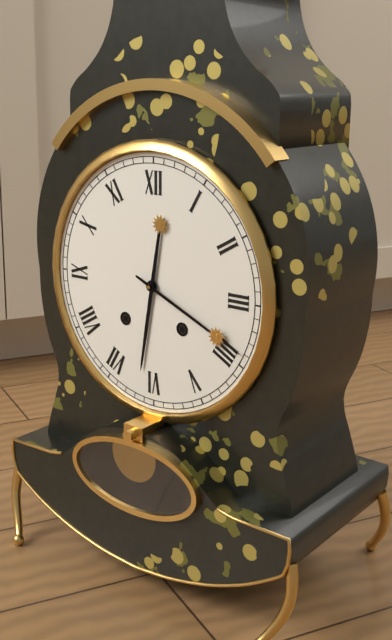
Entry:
**6:19**
